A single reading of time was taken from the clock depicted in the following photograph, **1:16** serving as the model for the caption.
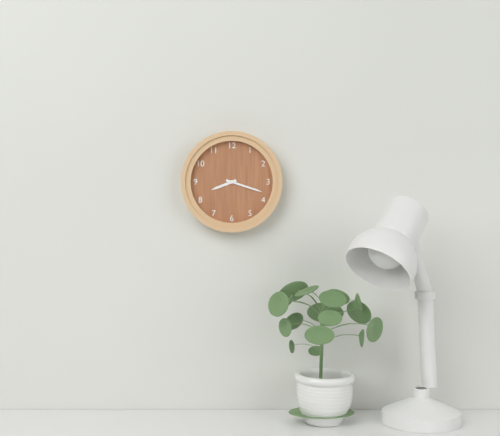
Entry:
**8:18**
